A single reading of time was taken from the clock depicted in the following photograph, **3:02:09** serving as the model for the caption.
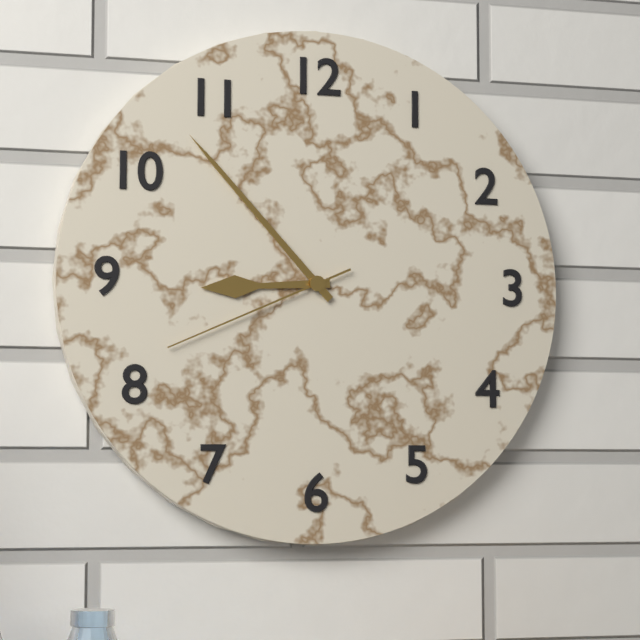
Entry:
**8:53:41**
